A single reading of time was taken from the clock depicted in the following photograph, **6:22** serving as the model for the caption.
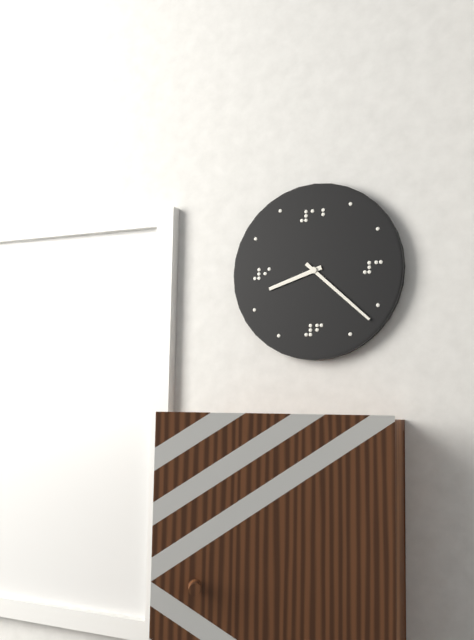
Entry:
**8:22**
